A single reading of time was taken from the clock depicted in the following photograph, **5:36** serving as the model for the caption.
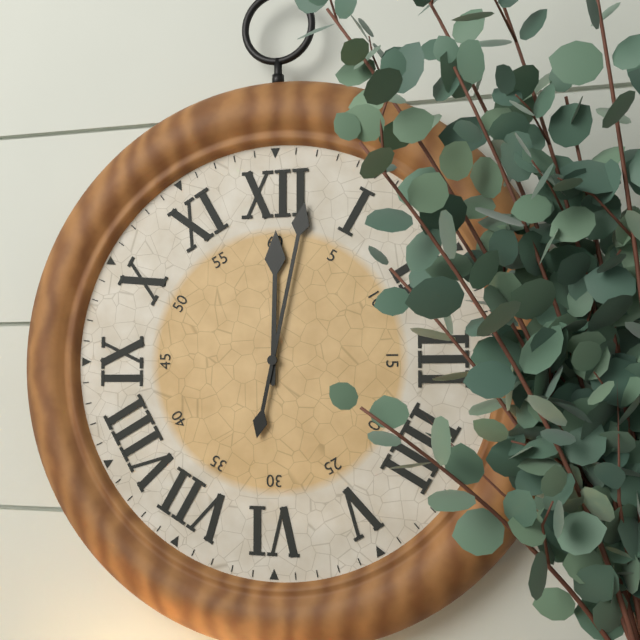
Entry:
**12:02**
